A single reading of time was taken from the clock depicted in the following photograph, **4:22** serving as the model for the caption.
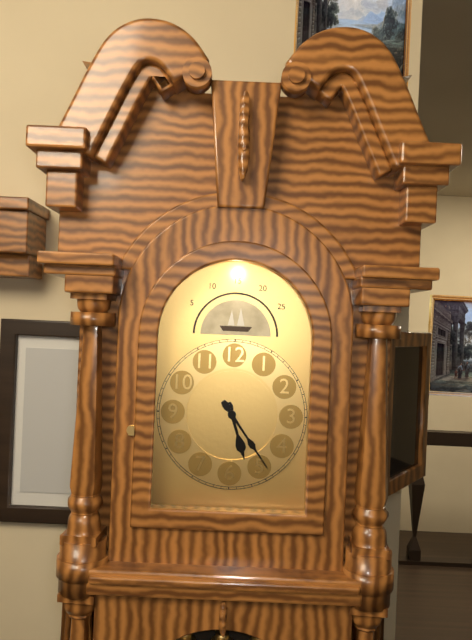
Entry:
**5:24**
